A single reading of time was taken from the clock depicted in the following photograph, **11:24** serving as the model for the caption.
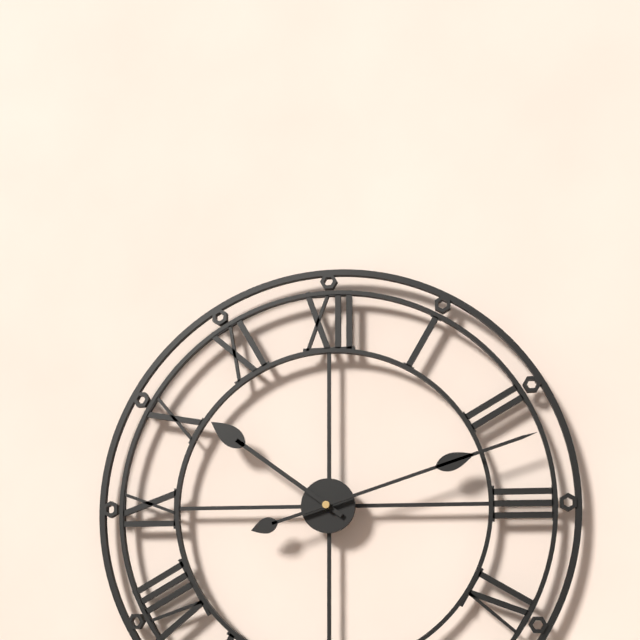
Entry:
**10:12**
